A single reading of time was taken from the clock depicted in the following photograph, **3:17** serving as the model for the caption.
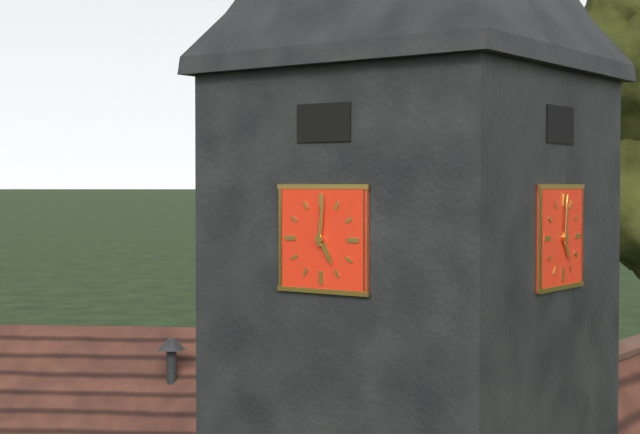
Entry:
**5:01**
